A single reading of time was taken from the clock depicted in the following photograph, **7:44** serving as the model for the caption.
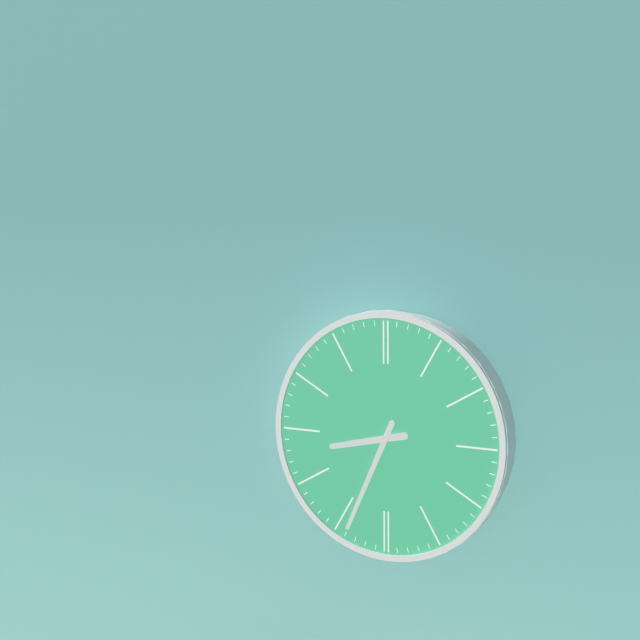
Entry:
**8:34**
